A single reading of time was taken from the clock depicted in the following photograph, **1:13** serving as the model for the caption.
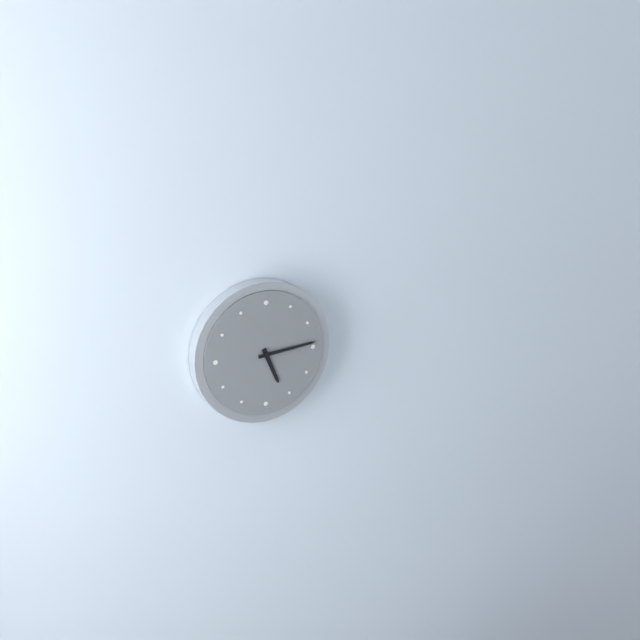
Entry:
**5:14**
